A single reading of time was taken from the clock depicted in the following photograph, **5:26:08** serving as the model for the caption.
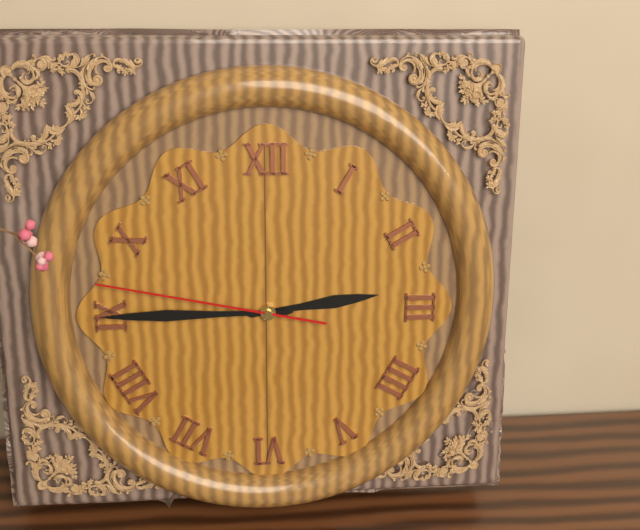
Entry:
**2:45:47**
